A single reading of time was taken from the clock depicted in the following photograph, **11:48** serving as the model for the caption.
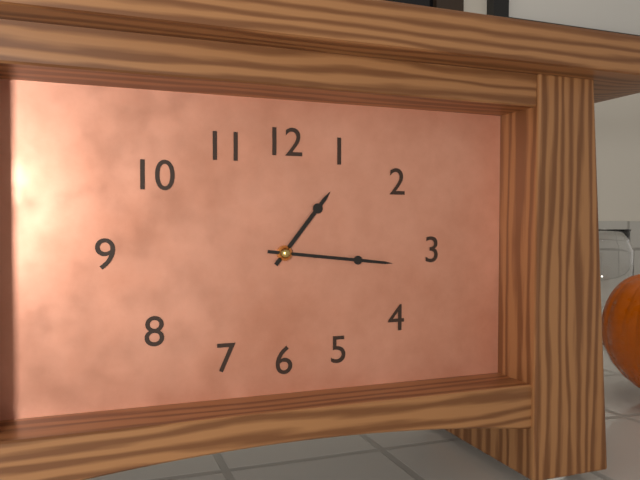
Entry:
**1:16**
